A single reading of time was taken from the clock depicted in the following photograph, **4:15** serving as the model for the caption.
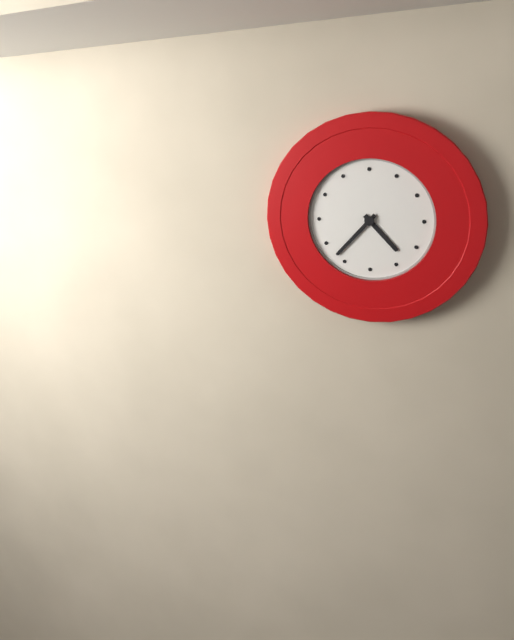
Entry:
**4:37**
